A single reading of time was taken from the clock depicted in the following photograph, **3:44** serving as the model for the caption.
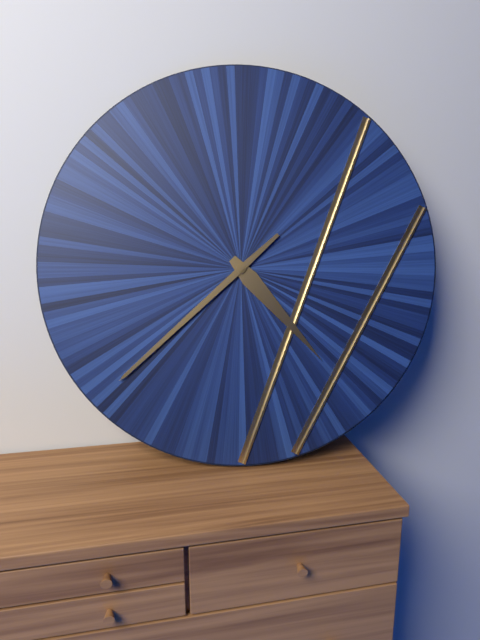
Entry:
**4:38**
